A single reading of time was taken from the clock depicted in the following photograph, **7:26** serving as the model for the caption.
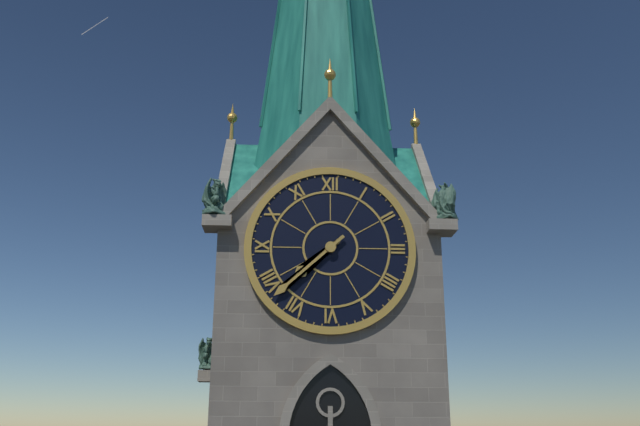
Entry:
**7:38**
